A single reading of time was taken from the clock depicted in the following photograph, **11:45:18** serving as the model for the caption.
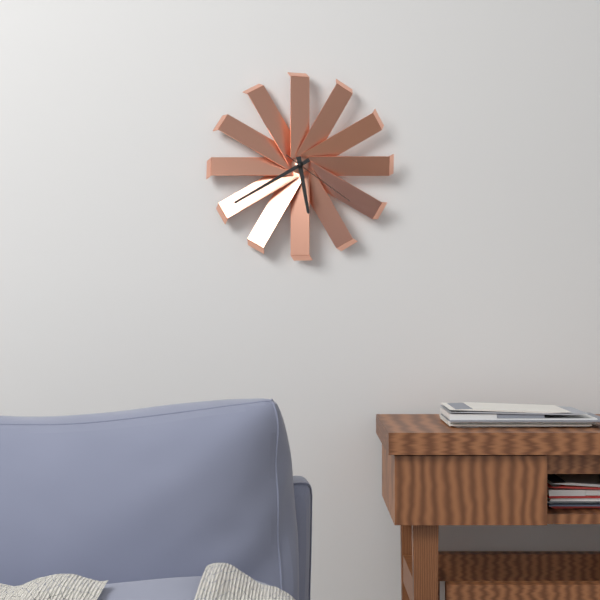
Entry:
**5:40:21**
